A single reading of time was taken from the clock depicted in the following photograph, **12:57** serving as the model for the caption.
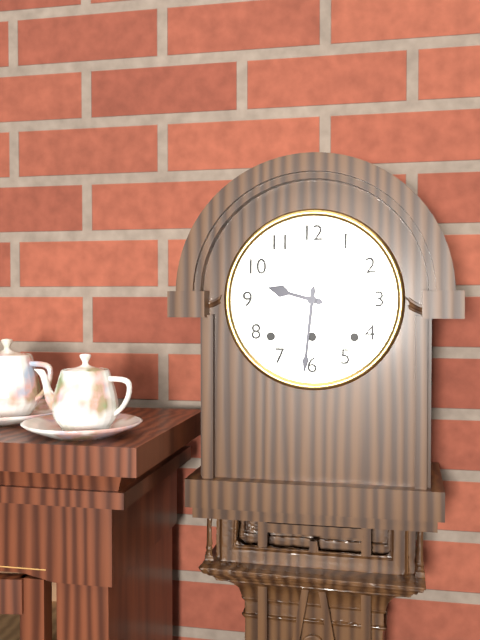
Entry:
**9:31**
